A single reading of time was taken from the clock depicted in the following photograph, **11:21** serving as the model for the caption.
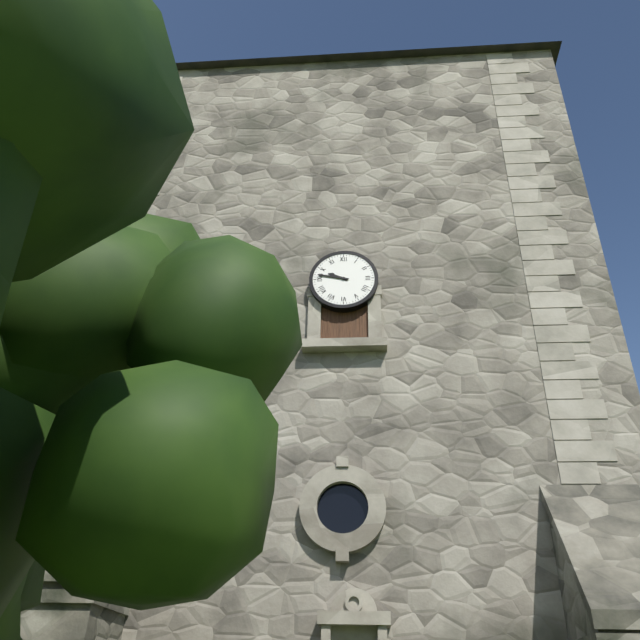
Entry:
**9:47**
